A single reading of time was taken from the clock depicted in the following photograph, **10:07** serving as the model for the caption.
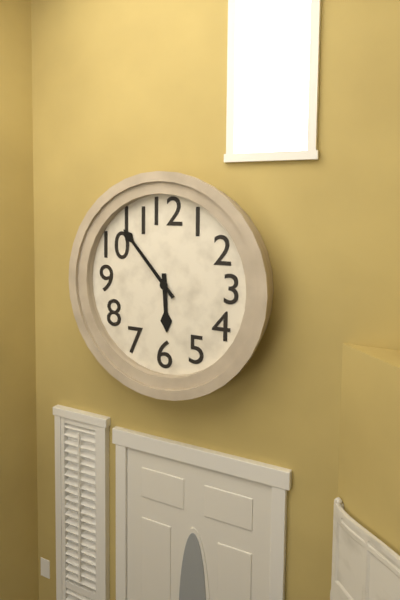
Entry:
**5:53**
